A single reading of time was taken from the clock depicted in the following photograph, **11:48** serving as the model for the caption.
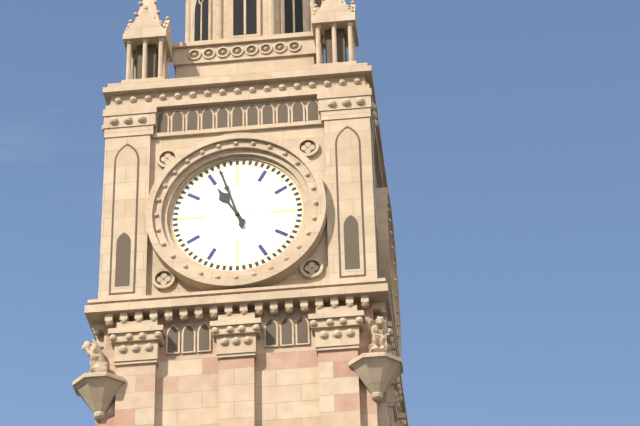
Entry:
**10:57**
